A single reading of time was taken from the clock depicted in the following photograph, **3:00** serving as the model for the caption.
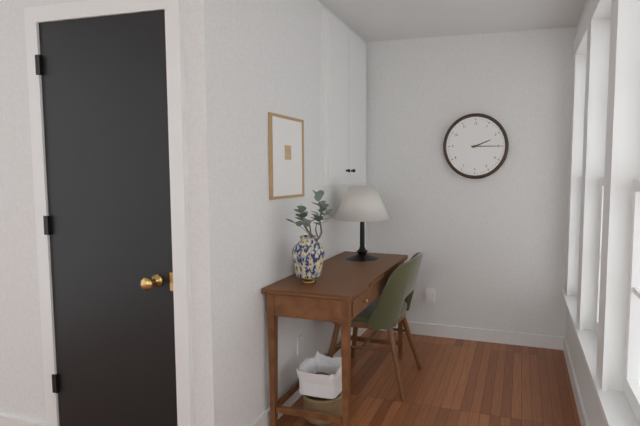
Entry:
**2:15**
